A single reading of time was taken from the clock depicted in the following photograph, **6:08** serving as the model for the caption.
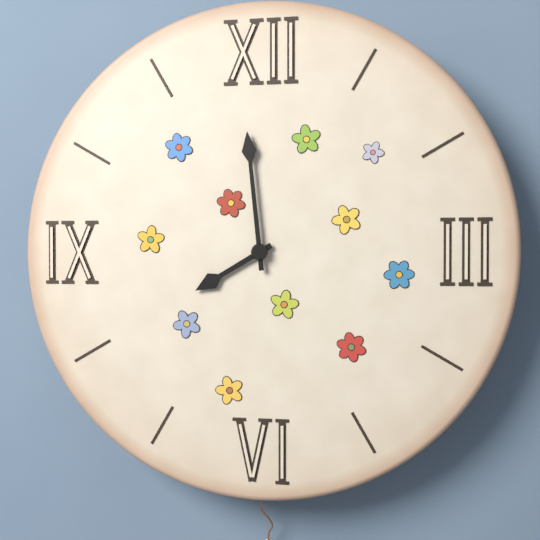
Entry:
**7:59**
